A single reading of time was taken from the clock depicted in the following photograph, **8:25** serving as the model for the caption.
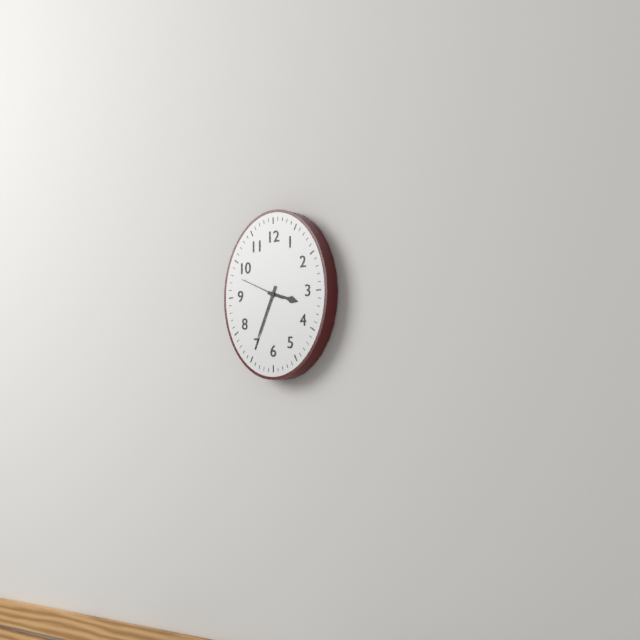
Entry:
**3:34**
